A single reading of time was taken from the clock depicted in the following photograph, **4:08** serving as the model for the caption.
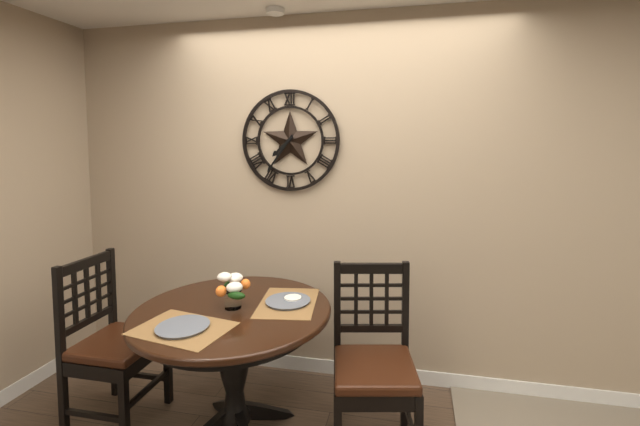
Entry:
**7:36**
